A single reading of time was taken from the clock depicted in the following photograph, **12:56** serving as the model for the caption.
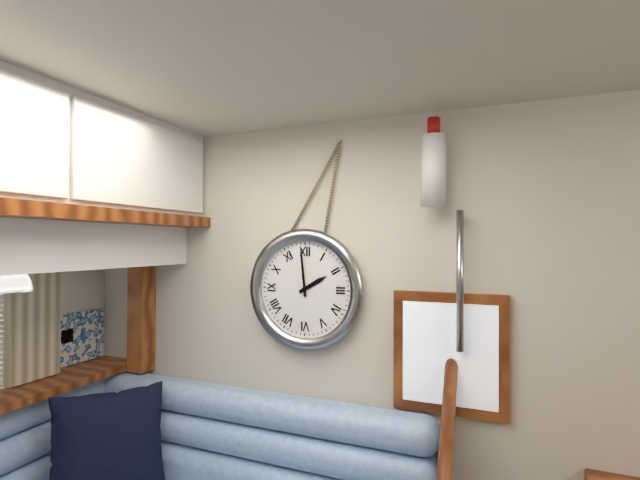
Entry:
**1:59**
